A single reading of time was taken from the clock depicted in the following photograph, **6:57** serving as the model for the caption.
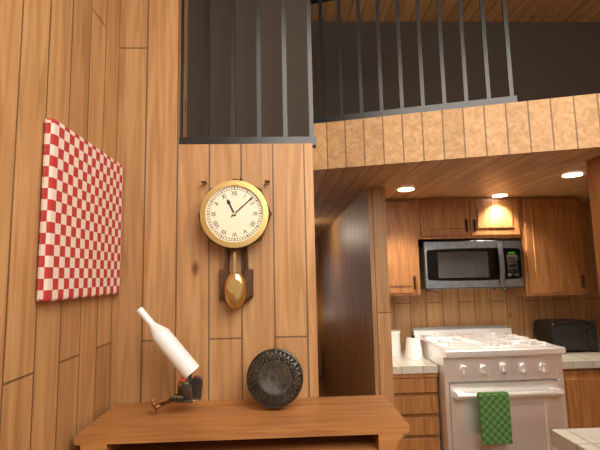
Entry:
**11:08**
